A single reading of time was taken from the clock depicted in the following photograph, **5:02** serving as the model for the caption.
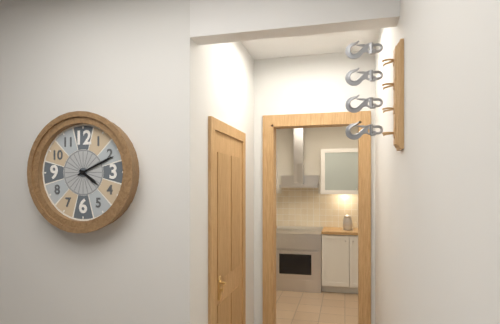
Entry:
**4:11**
